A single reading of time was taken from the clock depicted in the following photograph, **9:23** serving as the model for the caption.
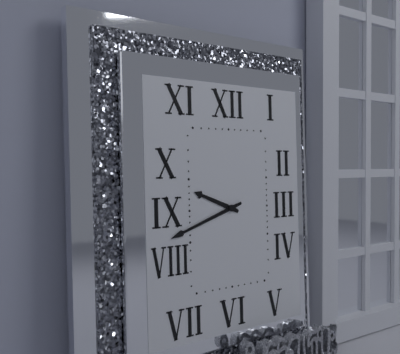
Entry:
**9:42**
